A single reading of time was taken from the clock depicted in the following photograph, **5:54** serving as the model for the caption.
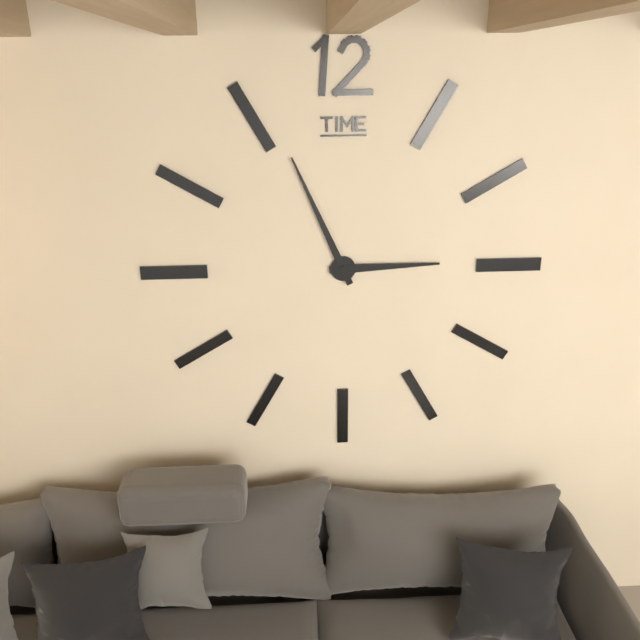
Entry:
**2:56**
